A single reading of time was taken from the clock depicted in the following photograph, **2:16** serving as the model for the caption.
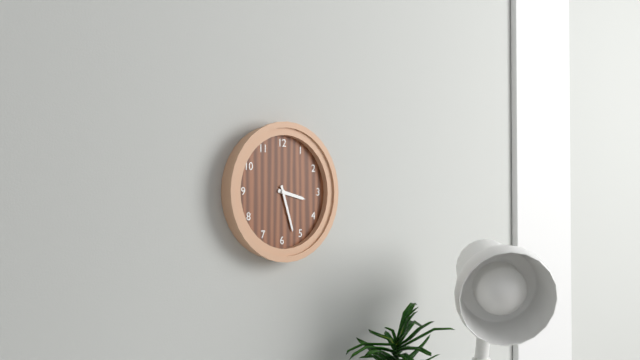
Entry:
**3:27**
